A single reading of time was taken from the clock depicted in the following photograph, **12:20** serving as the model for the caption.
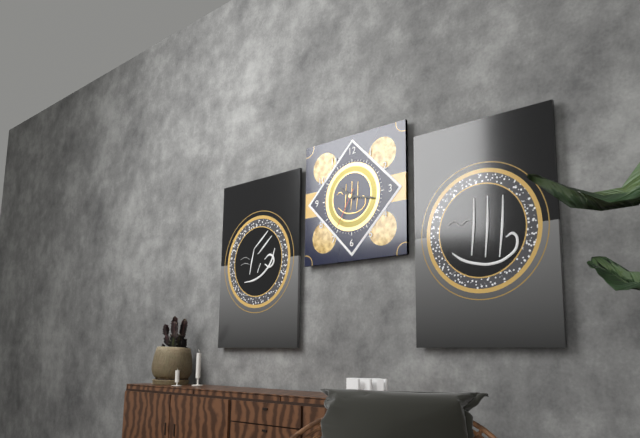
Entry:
**10:17**
